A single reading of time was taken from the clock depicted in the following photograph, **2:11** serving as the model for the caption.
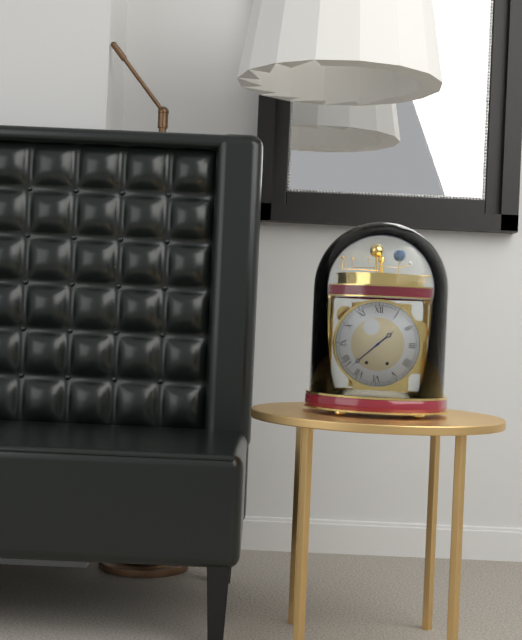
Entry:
**1:38**
